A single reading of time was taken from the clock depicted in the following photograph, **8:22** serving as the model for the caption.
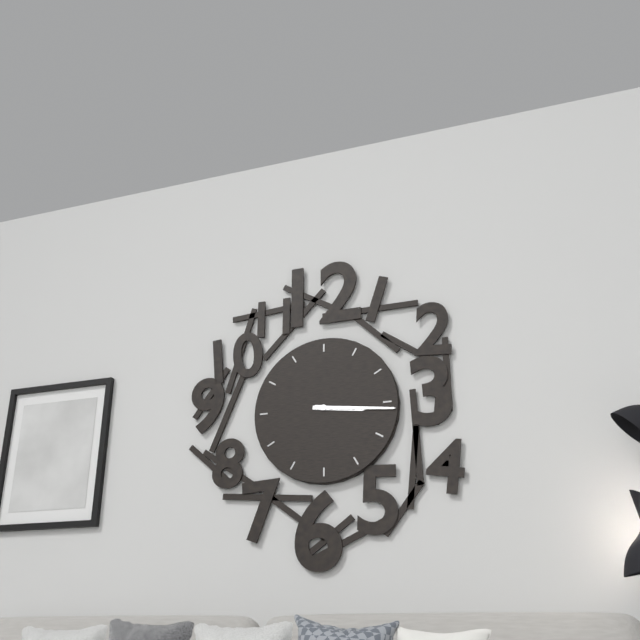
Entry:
**3:16**
